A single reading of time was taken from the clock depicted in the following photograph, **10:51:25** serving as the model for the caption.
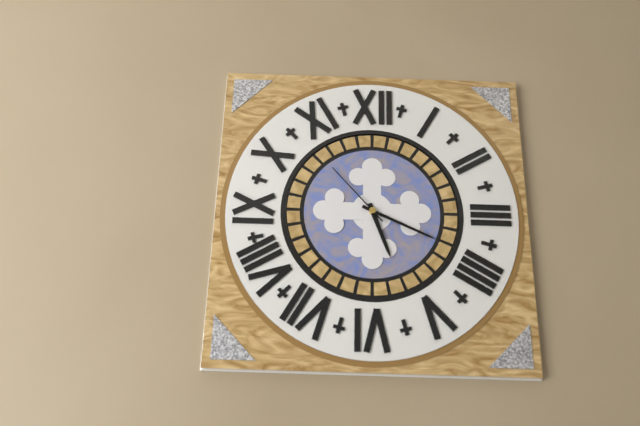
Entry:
**5:19:53**
